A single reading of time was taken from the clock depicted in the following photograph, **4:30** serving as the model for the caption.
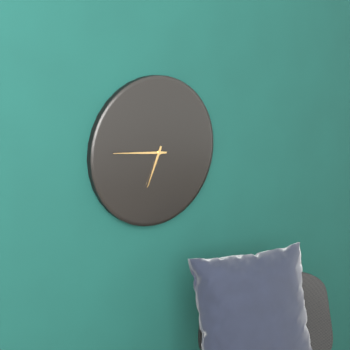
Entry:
**6:46**
